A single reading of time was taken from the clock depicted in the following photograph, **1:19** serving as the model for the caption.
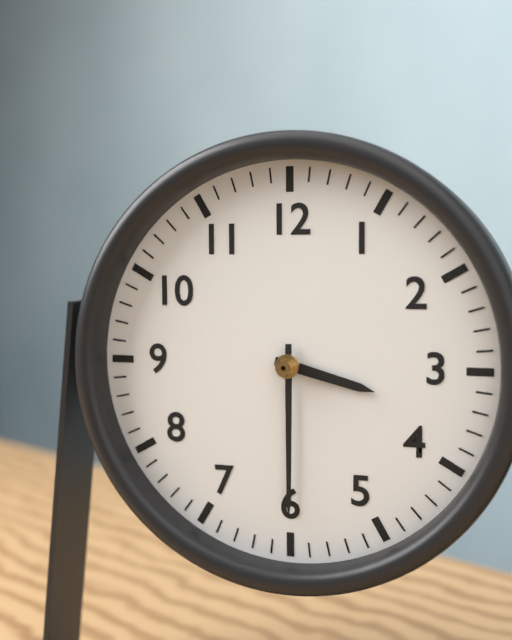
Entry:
**3:30**
